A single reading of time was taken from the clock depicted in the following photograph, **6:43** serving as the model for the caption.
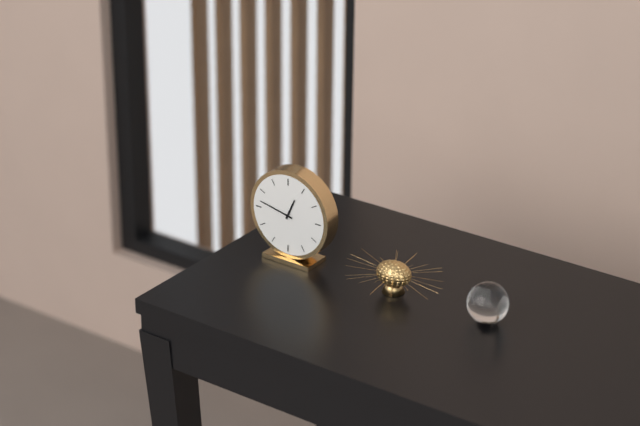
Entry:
**12:47**
